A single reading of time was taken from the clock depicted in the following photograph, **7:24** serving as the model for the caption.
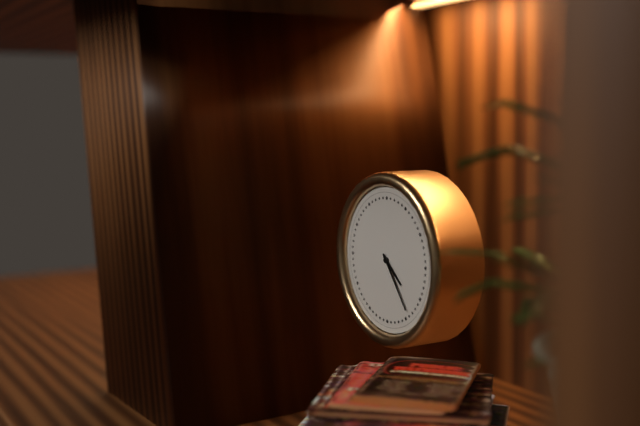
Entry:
**4:24**
